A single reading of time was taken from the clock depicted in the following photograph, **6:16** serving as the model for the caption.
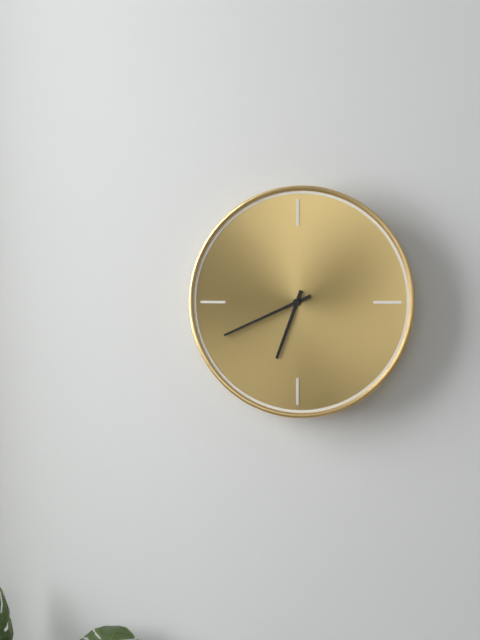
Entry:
**6:41**
